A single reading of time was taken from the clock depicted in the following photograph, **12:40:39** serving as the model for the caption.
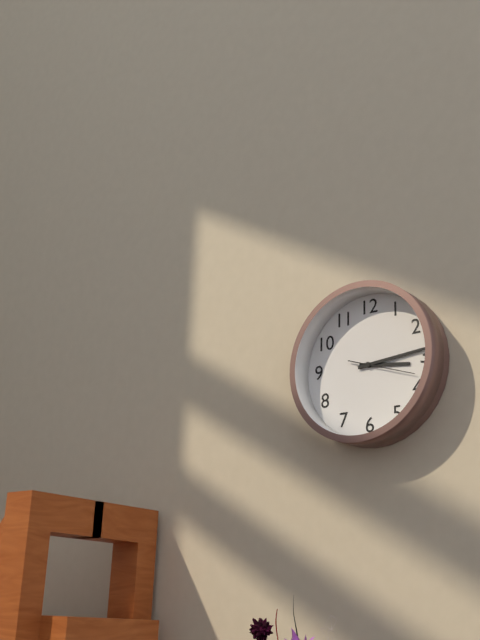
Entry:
**3:14:18**
